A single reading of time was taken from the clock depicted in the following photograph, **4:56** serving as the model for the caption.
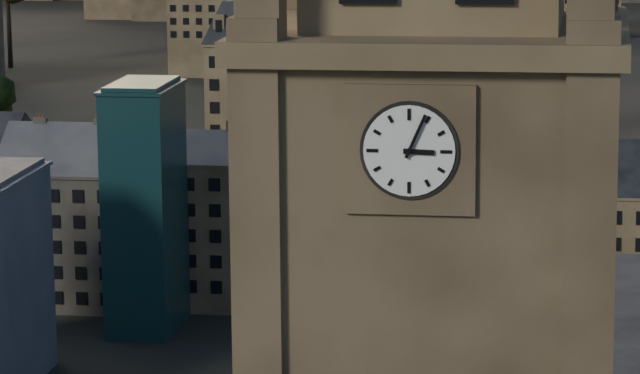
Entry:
**3:04**
